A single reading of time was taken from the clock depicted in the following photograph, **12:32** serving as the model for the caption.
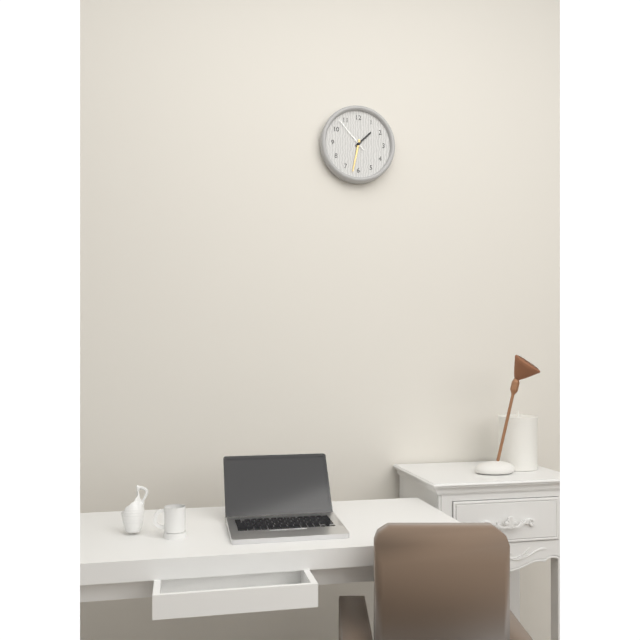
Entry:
**1:32**
